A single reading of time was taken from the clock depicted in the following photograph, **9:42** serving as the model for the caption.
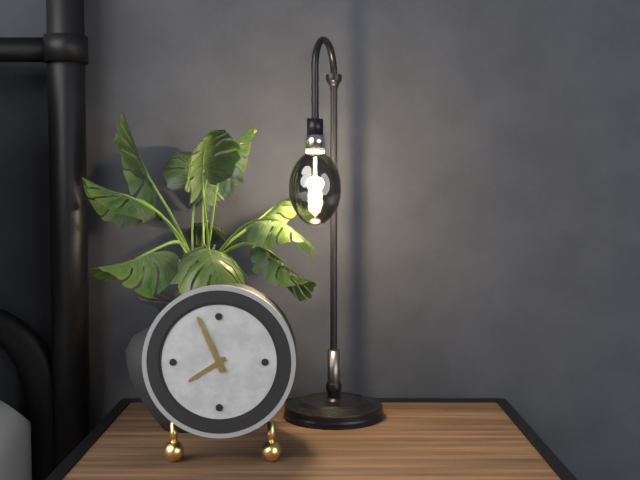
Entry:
**7:56**
